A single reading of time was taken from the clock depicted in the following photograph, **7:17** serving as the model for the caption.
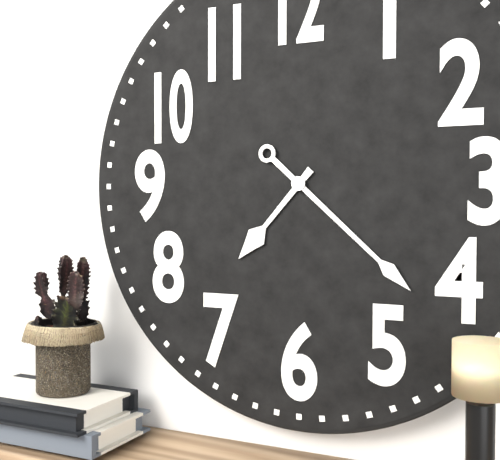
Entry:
**7:22**
